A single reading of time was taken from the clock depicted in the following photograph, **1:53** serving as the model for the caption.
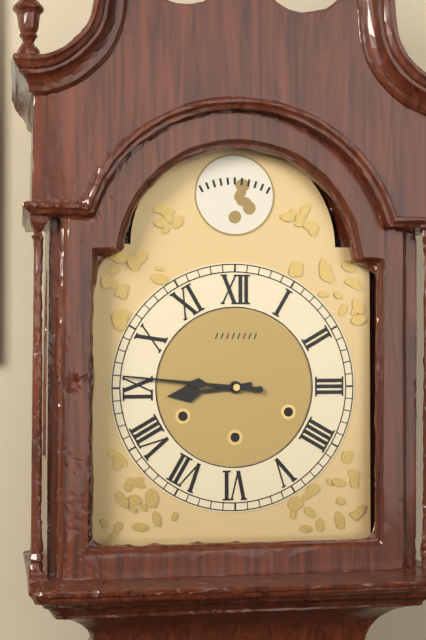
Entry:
**8:46**
